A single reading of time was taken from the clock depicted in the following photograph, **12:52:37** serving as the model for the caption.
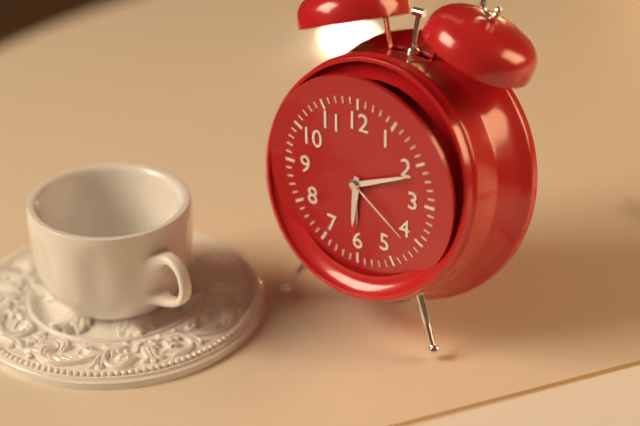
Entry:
**6:11:21**
